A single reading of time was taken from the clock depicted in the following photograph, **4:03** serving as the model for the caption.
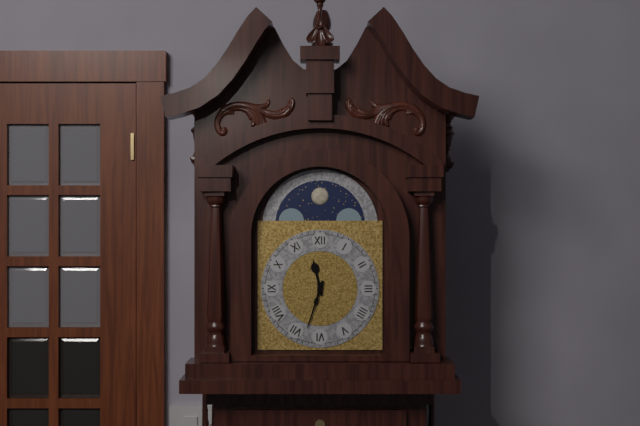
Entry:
**11:33**
